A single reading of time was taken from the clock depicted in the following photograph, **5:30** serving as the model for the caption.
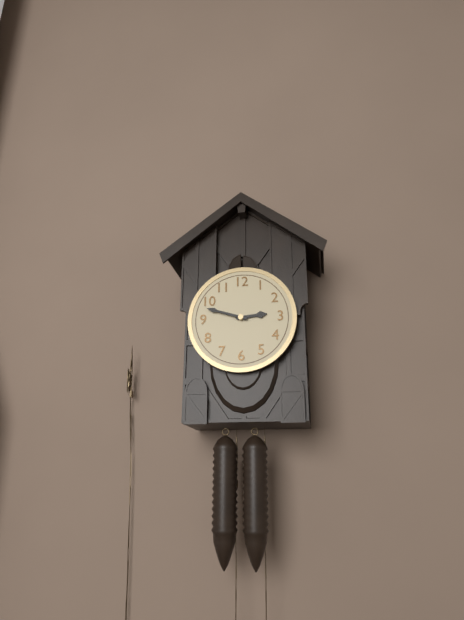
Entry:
**2:48**
